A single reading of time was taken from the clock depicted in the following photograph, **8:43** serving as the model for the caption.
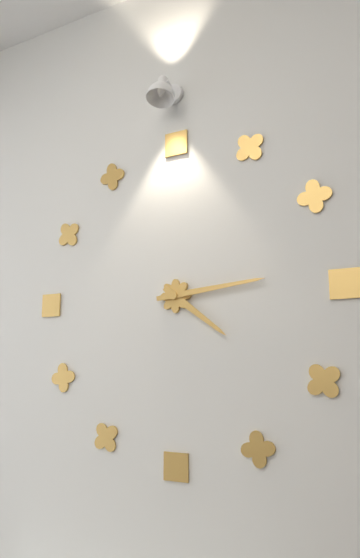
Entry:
**4:14**
